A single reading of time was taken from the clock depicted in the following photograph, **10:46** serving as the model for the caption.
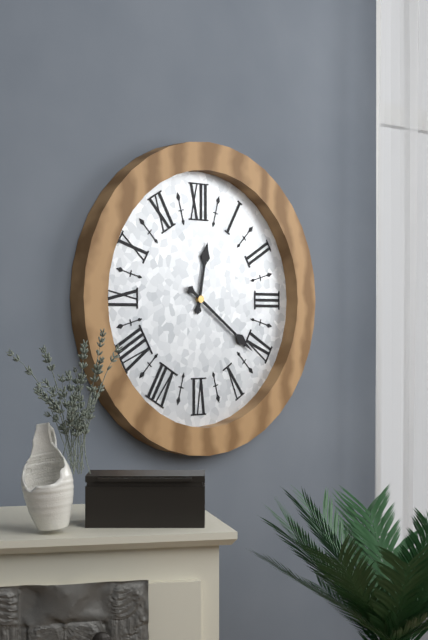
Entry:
**12:21**
